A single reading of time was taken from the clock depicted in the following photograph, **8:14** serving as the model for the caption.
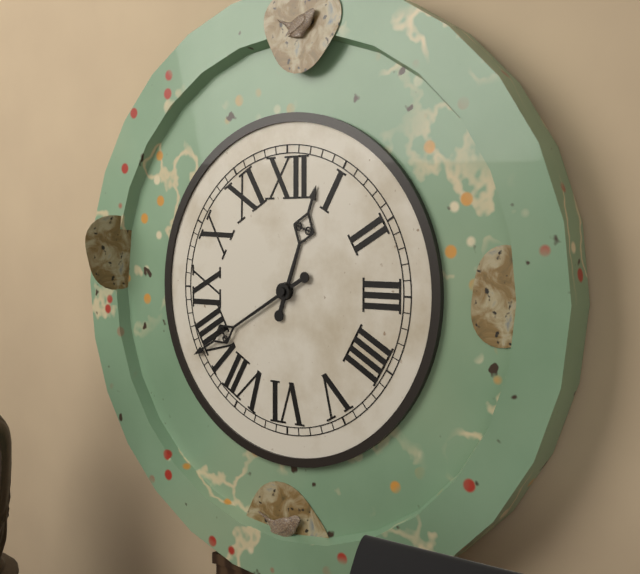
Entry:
**12:40**
